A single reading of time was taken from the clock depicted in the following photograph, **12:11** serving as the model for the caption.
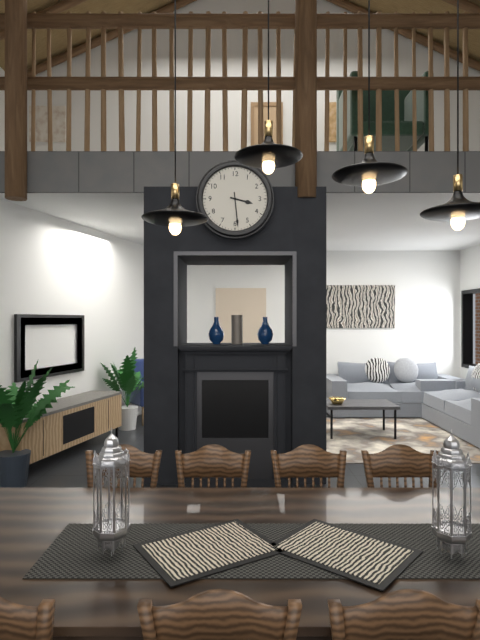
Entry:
**3:29**
